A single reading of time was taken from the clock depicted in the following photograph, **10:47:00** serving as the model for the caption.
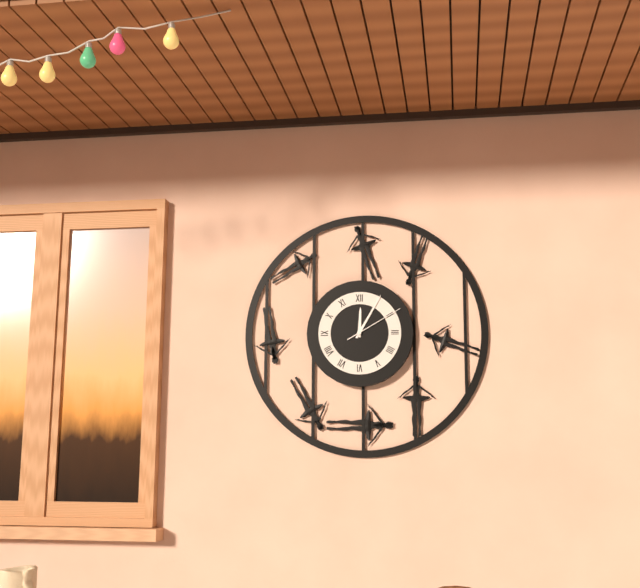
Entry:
**12:05:10**
